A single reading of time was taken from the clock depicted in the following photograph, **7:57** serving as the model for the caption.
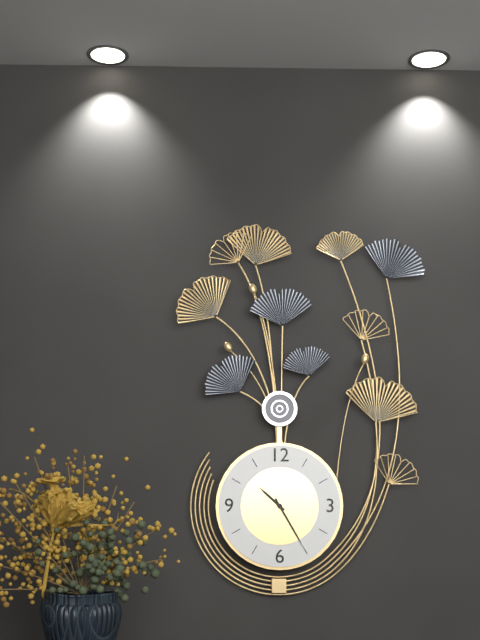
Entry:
**10:25**
